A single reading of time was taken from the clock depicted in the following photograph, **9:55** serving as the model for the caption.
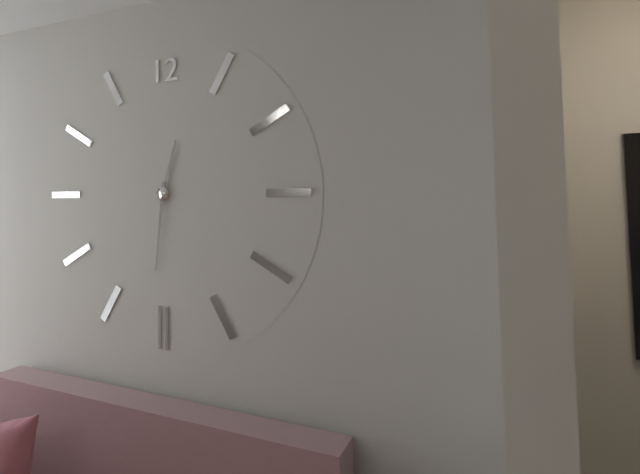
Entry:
**12:31**
